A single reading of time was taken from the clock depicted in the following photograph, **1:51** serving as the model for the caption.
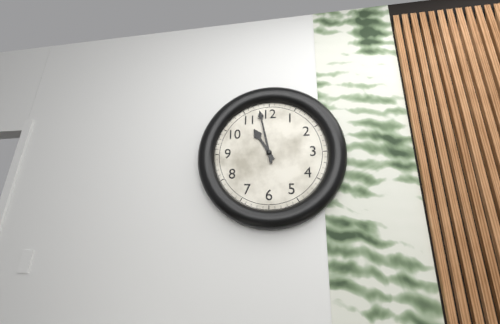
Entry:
**10:58**
